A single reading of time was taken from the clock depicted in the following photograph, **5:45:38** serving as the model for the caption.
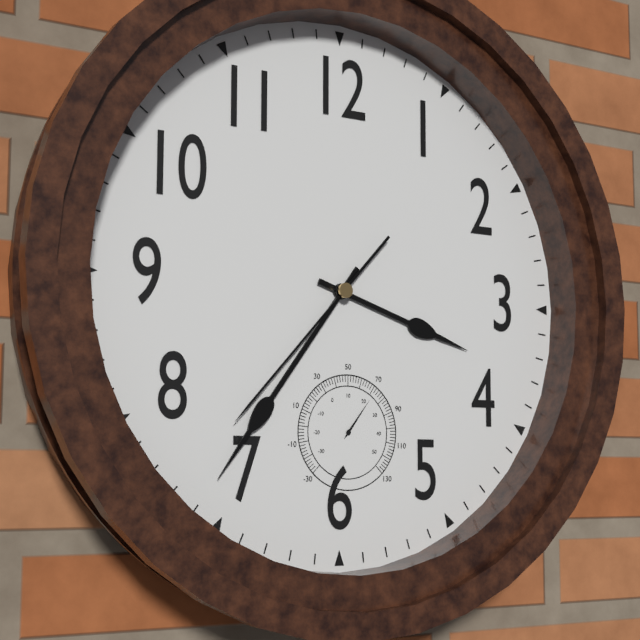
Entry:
**3:36:37**
